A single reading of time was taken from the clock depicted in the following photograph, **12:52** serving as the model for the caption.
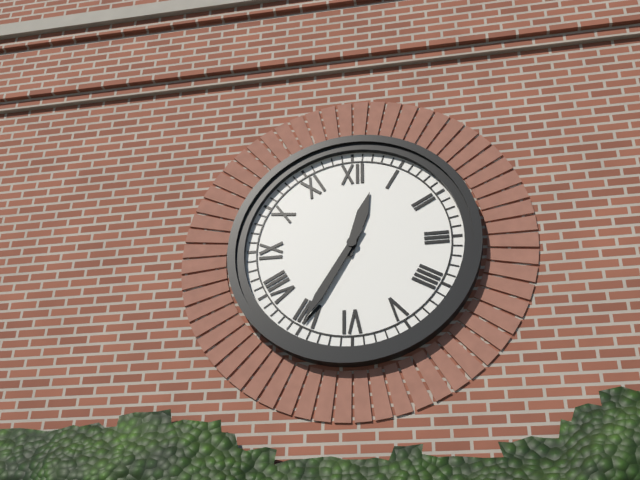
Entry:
**12:35**
